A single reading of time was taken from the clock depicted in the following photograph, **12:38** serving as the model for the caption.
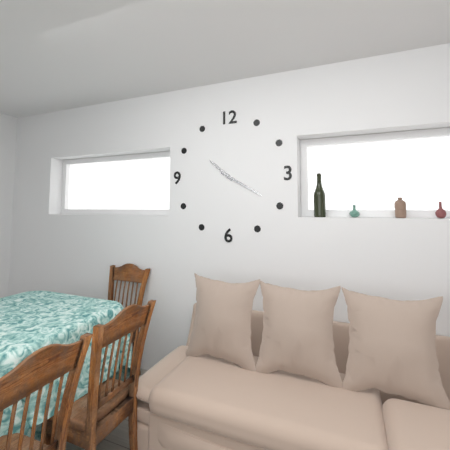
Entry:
**10:20**
